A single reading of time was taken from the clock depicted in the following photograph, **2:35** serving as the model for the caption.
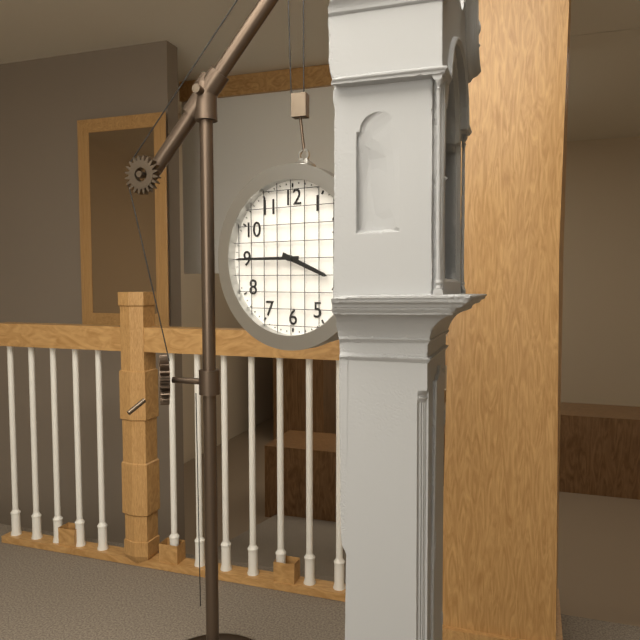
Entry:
**3:45**
